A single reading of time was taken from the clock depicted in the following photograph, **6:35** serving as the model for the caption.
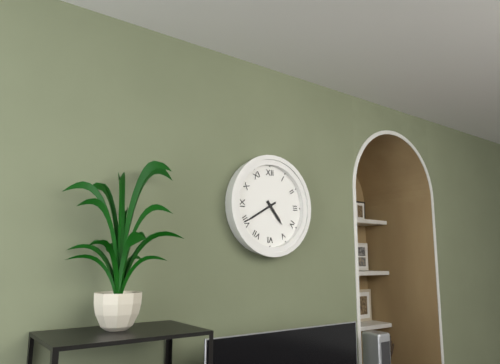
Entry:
**4:40**
